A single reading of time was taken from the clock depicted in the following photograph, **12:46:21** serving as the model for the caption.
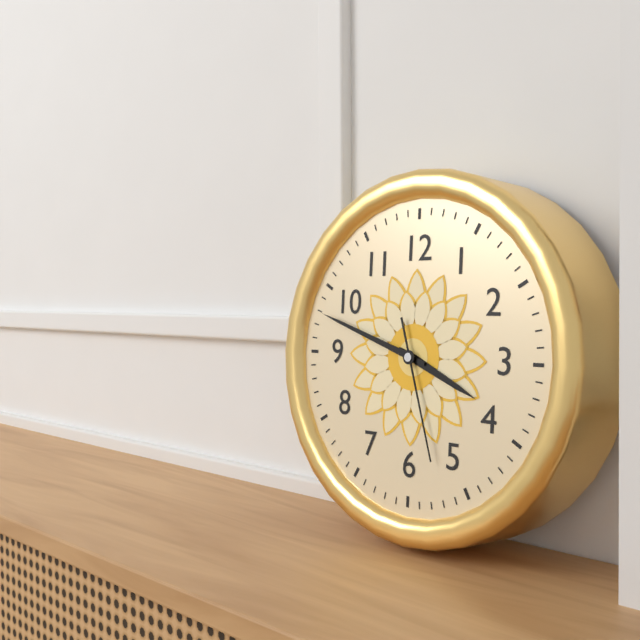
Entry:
**3:48:27**
